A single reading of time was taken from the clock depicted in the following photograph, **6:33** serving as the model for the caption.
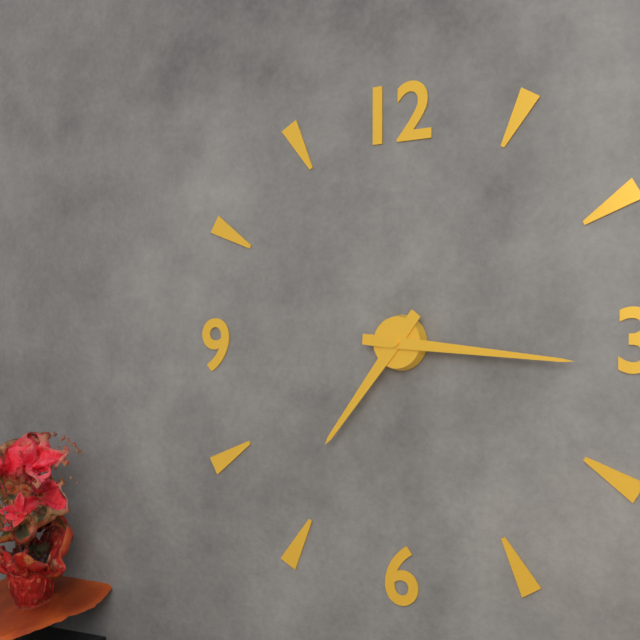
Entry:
**7:16**
